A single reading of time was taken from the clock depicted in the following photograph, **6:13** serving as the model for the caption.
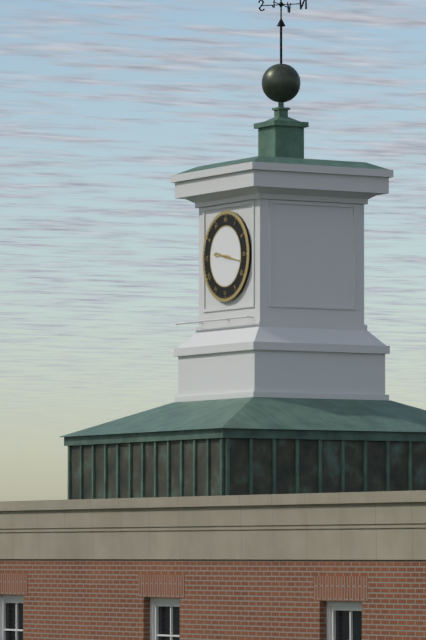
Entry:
**9:17**
